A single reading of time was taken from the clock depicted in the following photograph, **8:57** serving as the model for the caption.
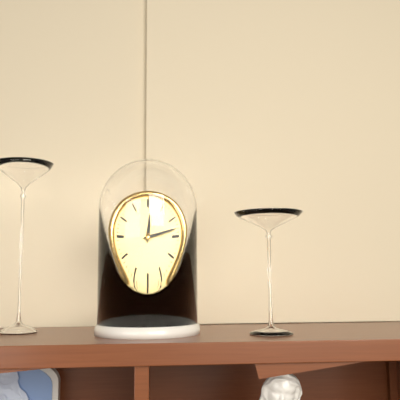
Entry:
**12:13**
